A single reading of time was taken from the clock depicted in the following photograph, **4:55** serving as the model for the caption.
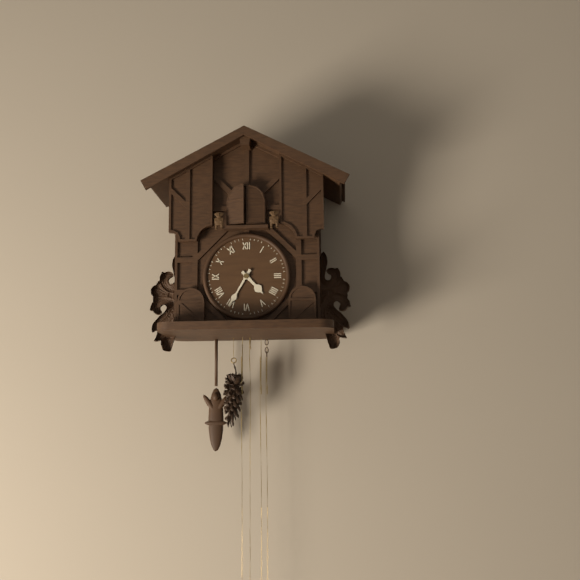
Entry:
**4:35**
